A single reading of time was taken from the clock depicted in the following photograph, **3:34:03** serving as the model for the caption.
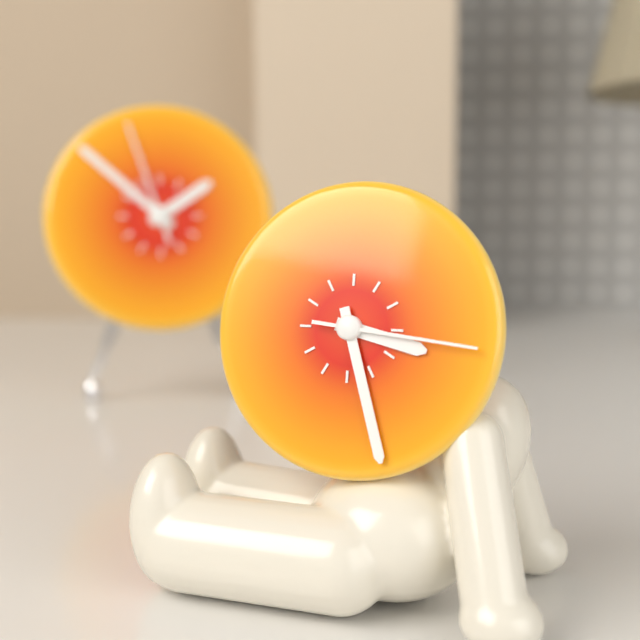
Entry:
**3:27:16**
